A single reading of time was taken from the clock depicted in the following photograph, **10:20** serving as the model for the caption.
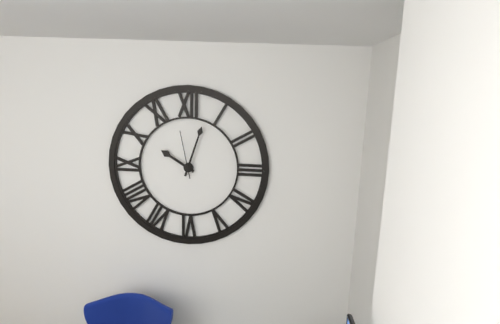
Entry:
**10:03**
